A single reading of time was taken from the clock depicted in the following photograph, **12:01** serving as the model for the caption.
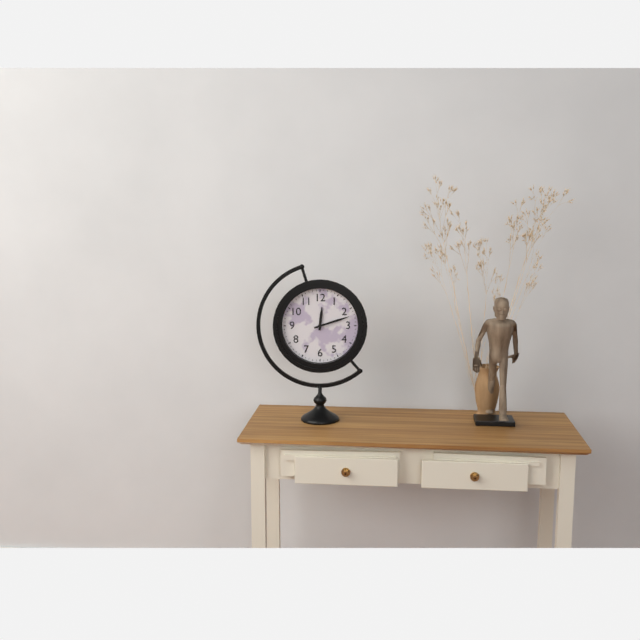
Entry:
**12:12**
